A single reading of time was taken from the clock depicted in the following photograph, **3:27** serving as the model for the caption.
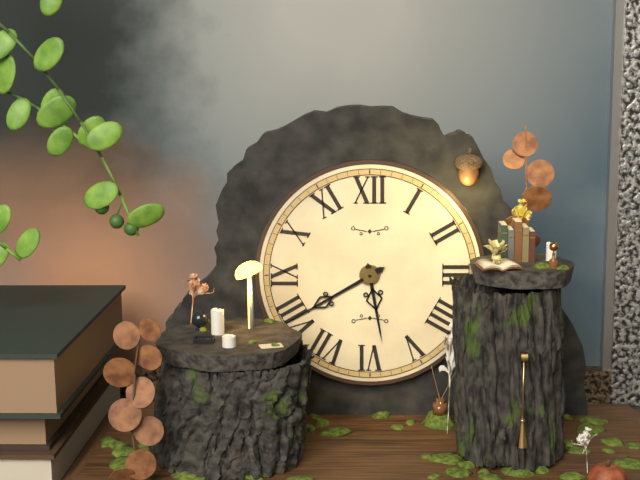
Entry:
**5:40**
